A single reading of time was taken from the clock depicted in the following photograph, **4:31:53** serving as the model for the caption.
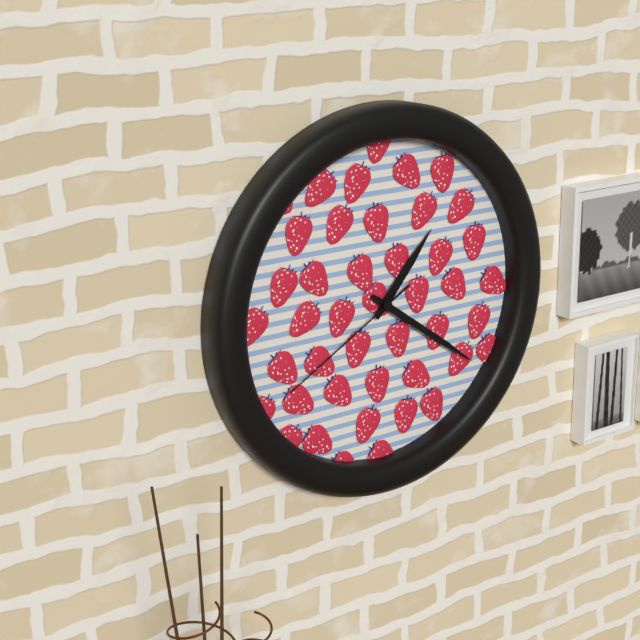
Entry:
**1:21:40**
